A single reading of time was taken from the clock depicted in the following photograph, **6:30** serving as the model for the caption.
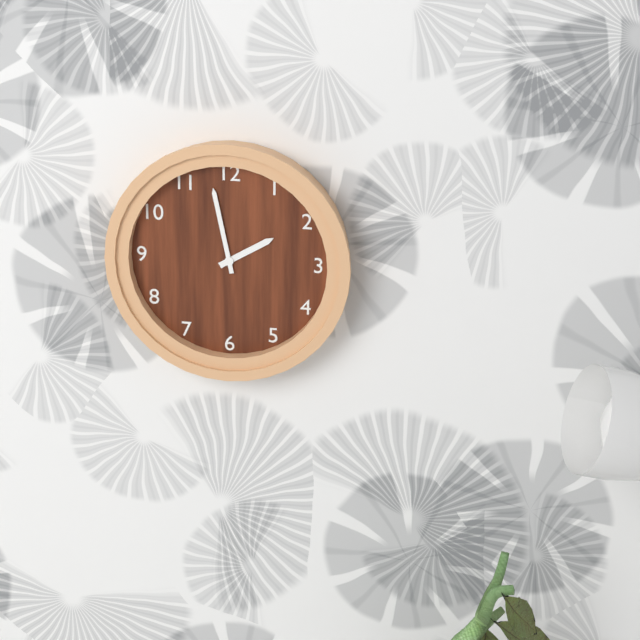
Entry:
**1:58**
